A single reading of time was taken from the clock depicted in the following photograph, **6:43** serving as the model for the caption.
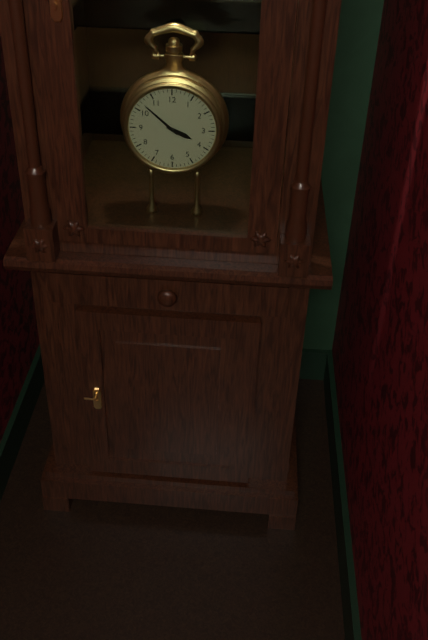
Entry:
**3:52**
